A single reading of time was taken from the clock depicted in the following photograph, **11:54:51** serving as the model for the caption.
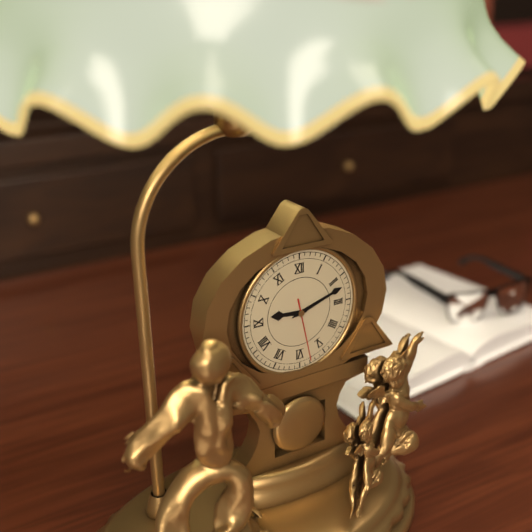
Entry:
**9:12:28**
